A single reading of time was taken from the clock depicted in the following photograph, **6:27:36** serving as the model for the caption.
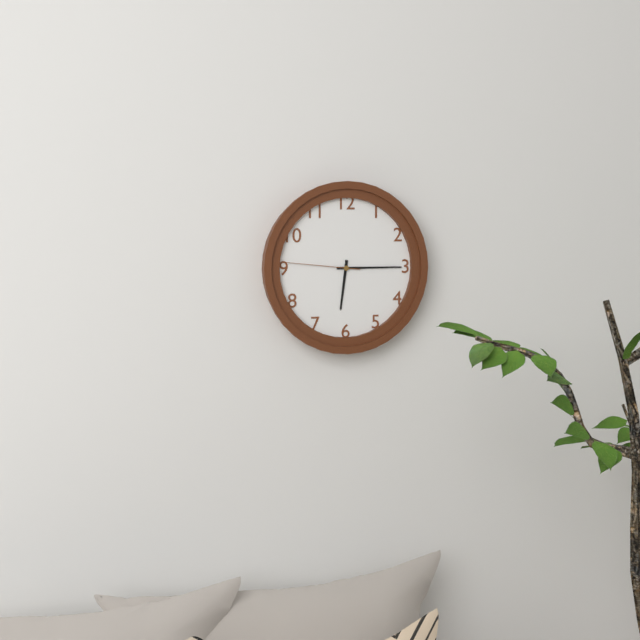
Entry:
**6:15:46**
